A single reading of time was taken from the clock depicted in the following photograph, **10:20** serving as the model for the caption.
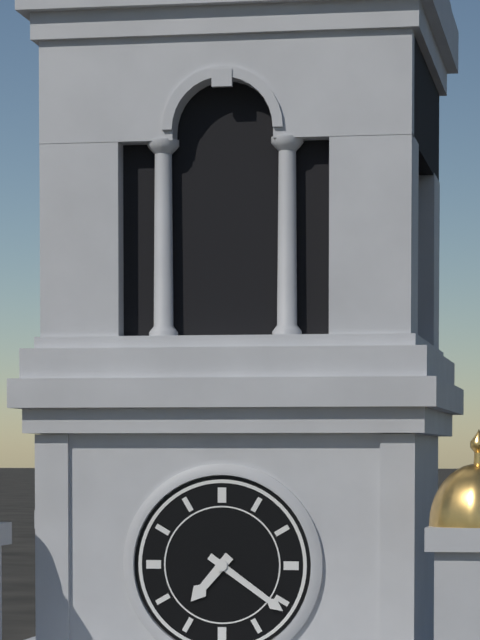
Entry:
**7:21**
